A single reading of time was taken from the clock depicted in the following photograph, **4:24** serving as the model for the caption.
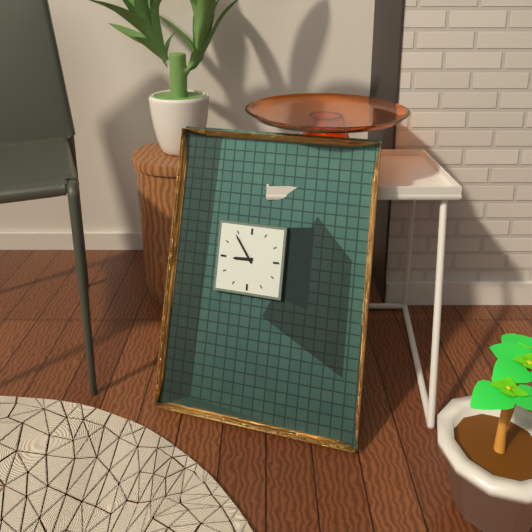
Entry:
**8:54**
